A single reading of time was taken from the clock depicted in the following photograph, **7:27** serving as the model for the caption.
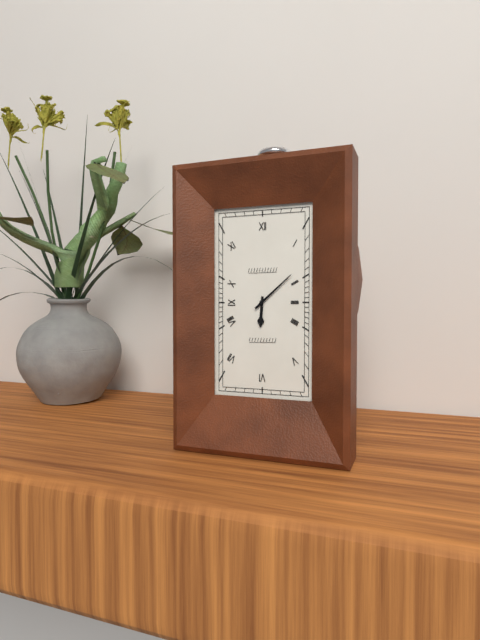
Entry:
**6:08**
